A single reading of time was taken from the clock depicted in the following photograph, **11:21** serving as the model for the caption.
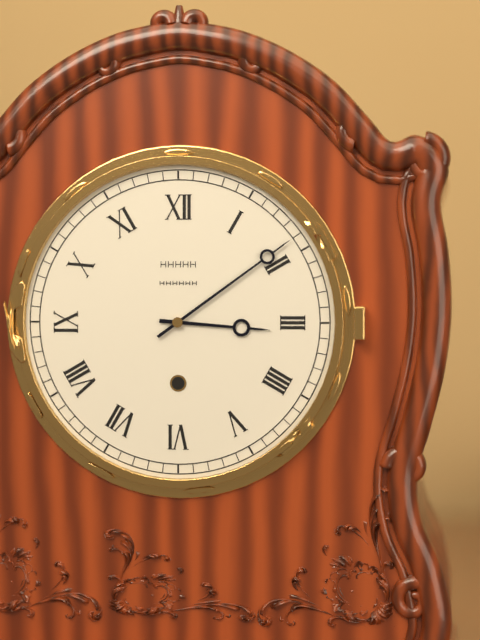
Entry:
**3:09**
